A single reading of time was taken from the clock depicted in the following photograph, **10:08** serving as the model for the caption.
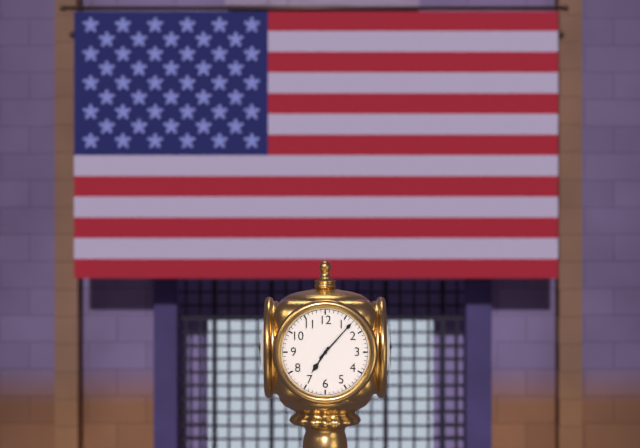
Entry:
**7:07**
